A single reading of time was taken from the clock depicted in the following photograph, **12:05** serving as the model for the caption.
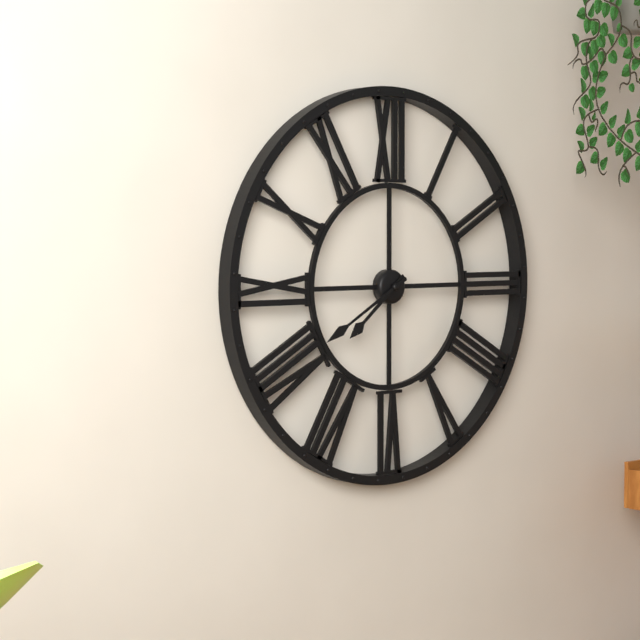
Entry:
**7:40**
